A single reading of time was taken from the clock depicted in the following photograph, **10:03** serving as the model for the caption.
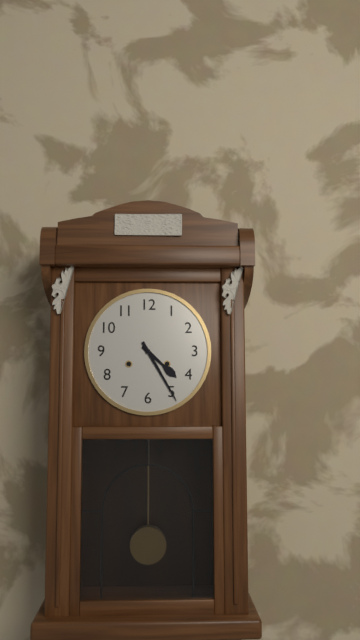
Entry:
**4:25**
